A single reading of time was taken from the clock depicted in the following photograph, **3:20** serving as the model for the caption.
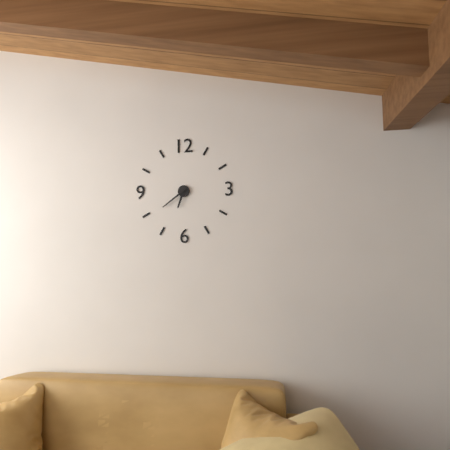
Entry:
**6:39**
